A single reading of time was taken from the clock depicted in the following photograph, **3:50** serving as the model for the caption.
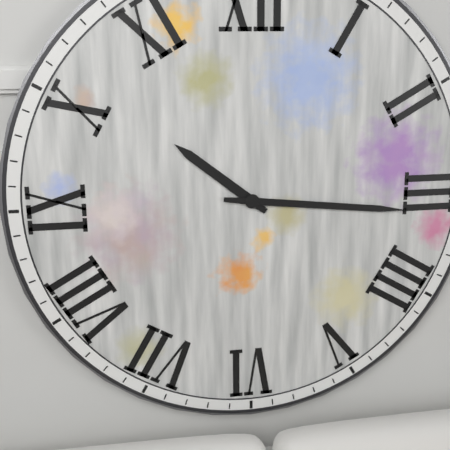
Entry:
**10:16**
